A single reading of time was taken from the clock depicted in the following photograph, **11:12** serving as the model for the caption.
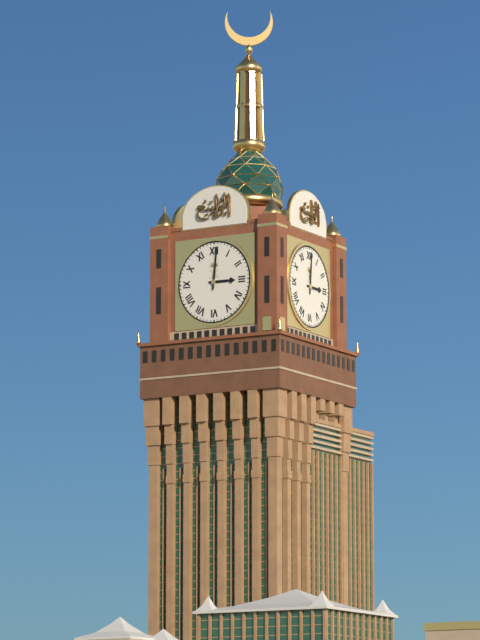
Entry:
**3:01**
